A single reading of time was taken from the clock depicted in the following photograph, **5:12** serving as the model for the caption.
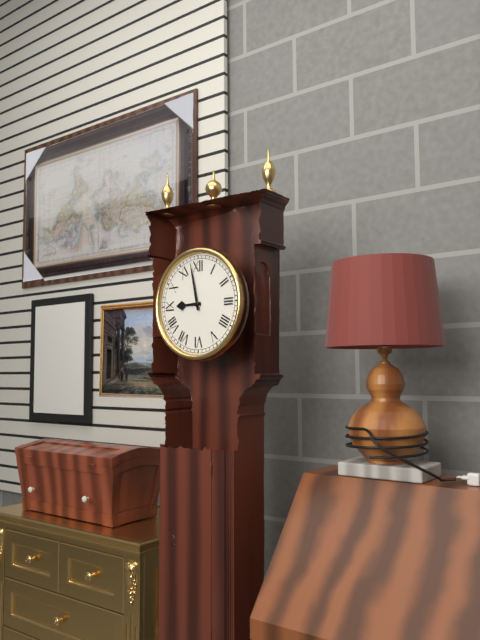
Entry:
**8:58**
